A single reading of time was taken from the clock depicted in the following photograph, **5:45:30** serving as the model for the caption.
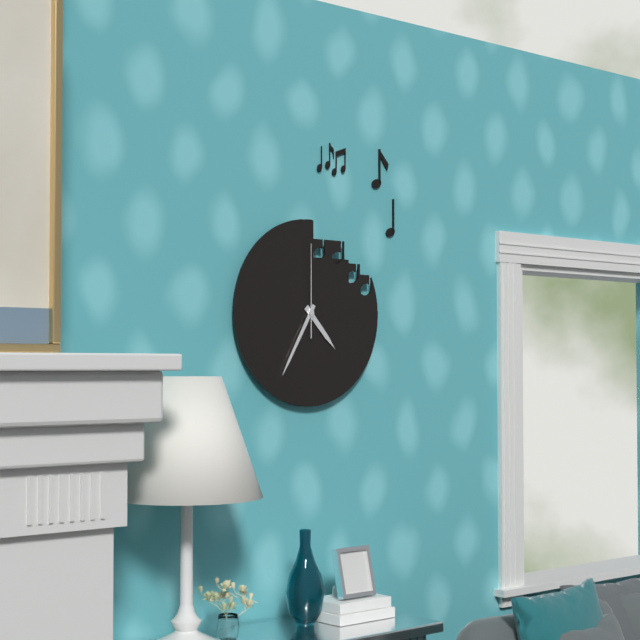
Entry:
**4:35:00**
